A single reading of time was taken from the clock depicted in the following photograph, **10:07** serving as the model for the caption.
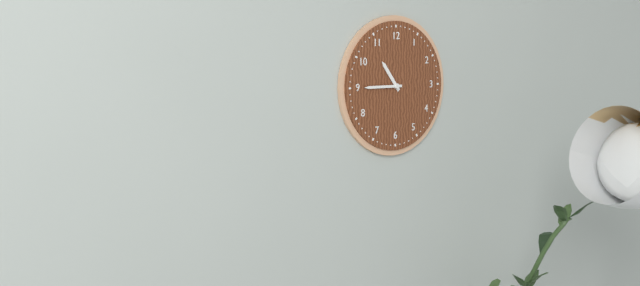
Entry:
**10:45**
